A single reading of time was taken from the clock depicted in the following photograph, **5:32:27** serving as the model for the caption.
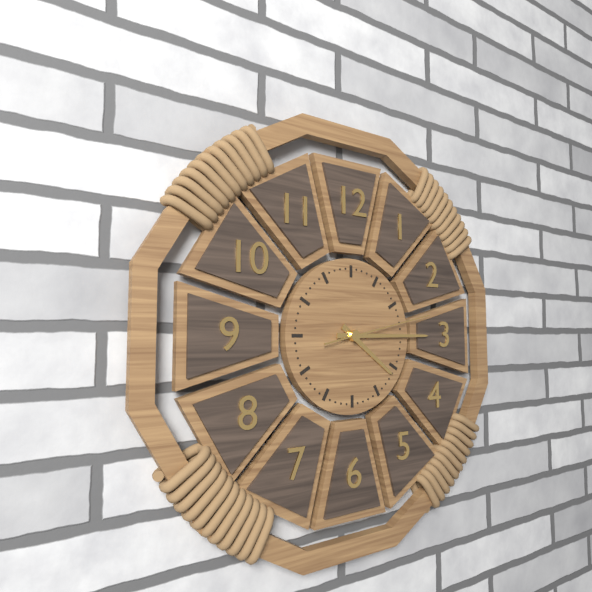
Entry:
**4:15:13**
